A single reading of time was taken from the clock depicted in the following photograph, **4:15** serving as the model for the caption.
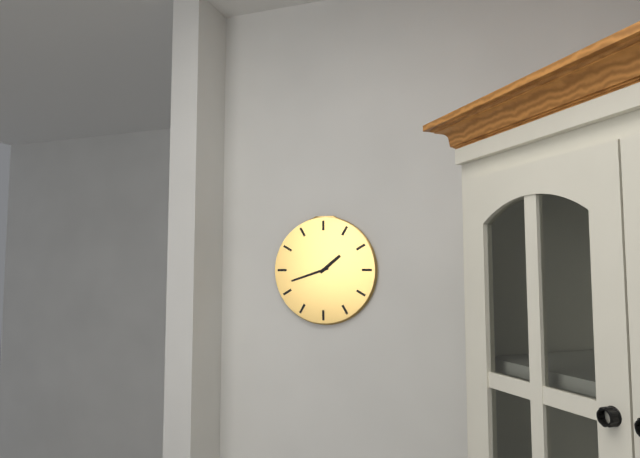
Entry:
**1:42**
